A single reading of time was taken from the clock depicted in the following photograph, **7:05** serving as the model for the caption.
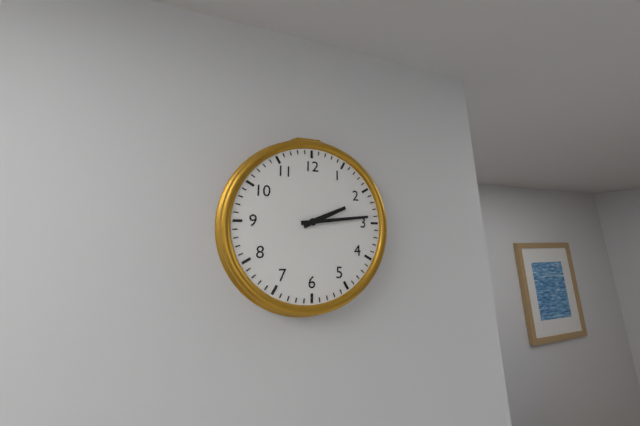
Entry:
**2:14**
